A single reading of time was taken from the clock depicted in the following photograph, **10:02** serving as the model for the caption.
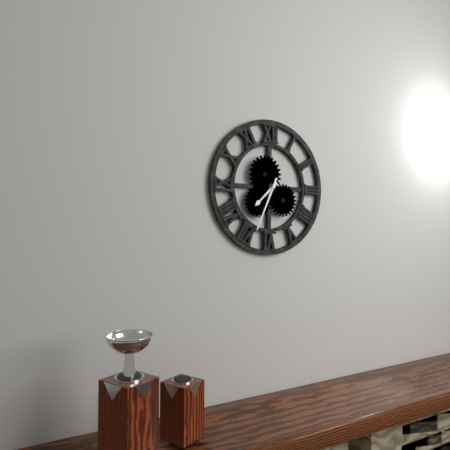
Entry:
**7:34**
